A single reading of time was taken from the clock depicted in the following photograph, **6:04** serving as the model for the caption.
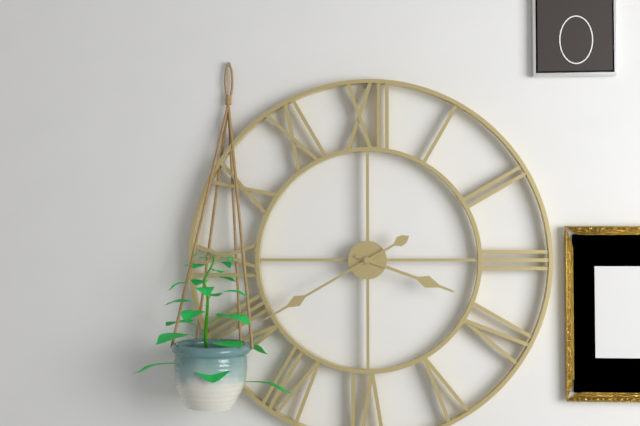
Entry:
**3:40**
